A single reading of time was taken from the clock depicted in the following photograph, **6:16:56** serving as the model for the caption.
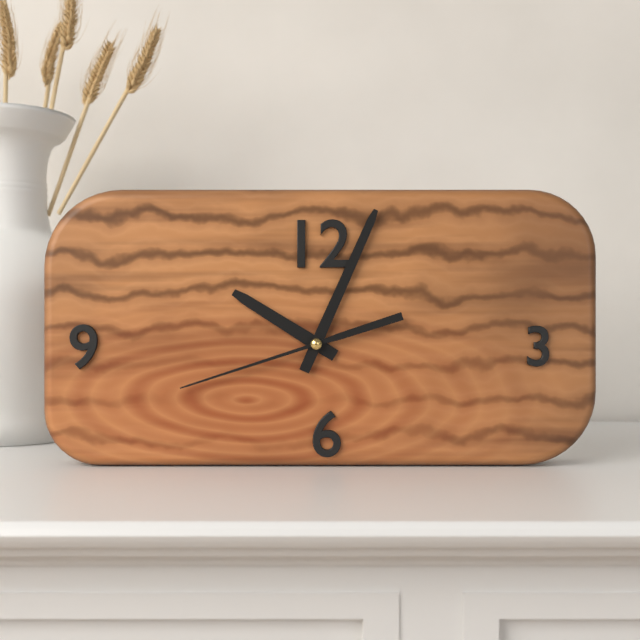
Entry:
**10:04:42**
